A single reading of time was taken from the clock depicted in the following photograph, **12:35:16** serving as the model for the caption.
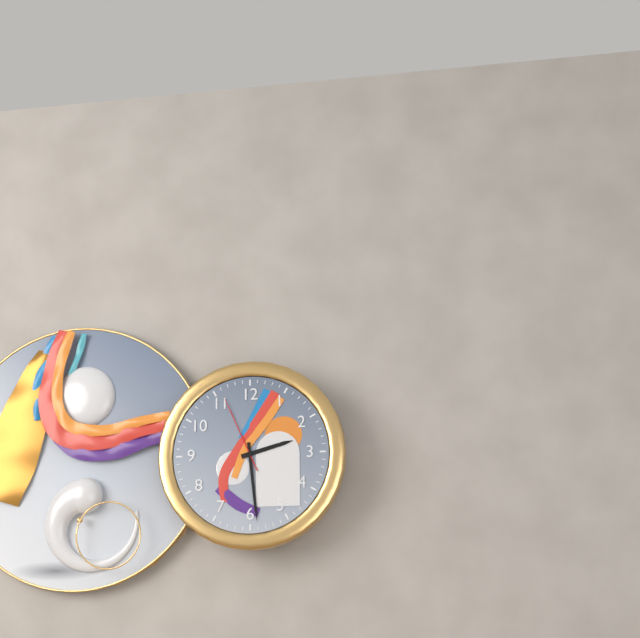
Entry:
**2:29:56**
